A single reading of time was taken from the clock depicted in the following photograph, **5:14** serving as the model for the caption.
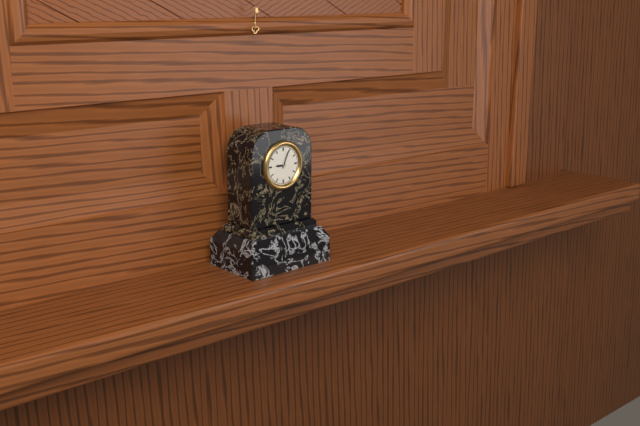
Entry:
**9:04**
